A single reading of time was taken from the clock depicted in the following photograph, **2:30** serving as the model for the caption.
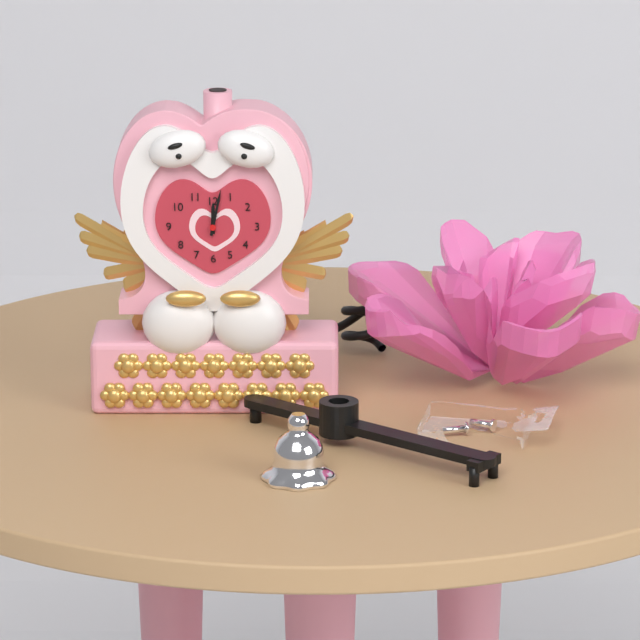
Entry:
**12:02**
